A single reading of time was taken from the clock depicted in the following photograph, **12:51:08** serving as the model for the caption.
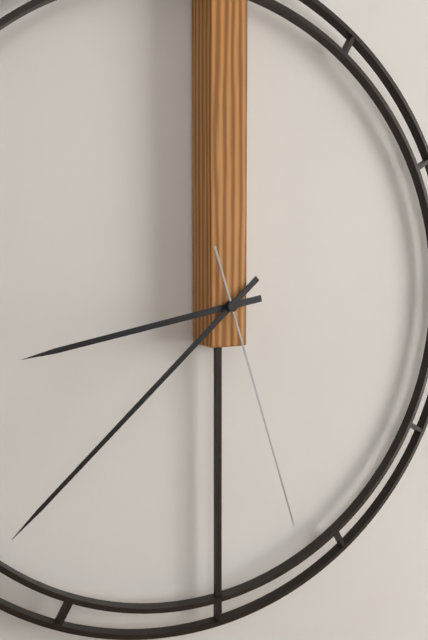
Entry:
**8:38:27**
